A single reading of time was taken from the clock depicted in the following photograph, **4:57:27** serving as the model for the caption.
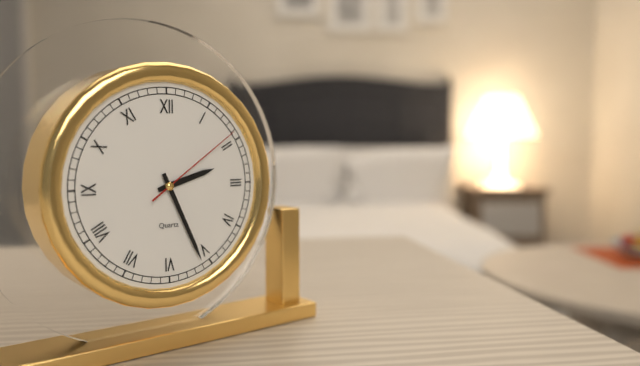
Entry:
**2:26:09**
